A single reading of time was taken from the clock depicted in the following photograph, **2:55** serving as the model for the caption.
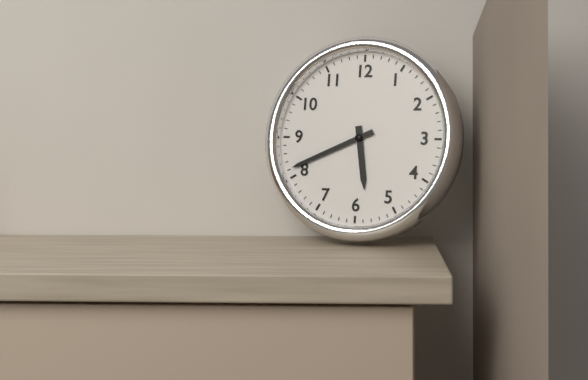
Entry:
**5:41**
